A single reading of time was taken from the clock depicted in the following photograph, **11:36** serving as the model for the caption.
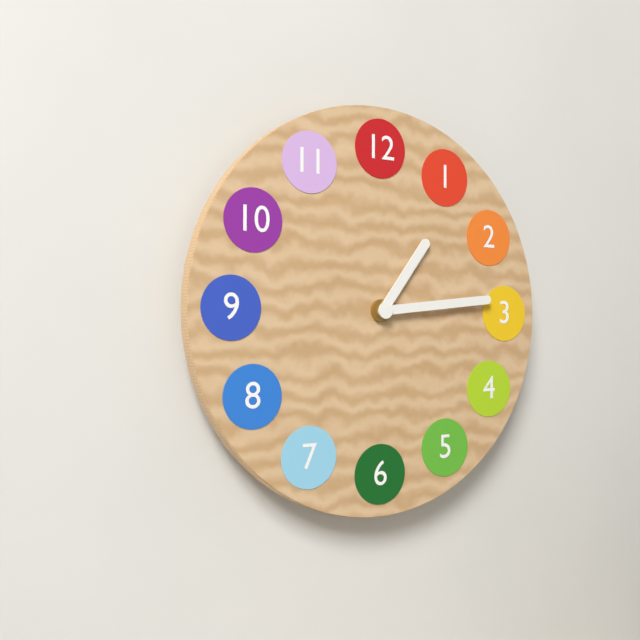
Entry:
**1:14**
